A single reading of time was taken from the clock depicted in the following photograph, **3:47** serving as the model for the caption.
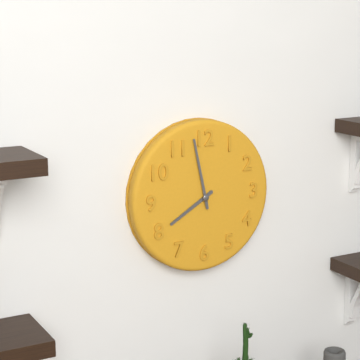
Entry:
**7:58**
